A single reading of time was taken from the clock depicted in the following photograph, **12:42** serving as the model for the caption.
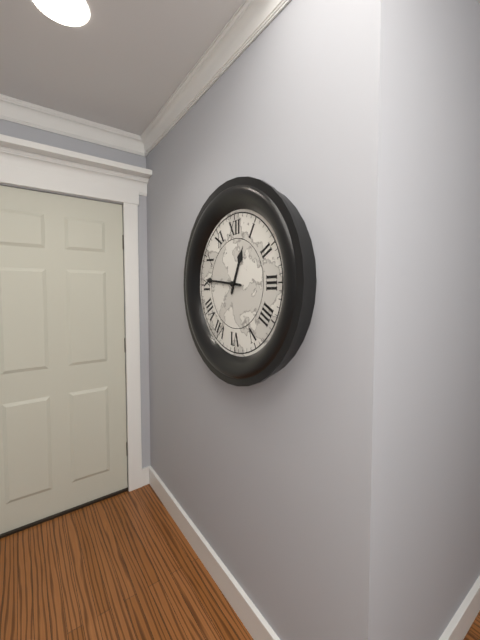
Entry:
**12:46**
